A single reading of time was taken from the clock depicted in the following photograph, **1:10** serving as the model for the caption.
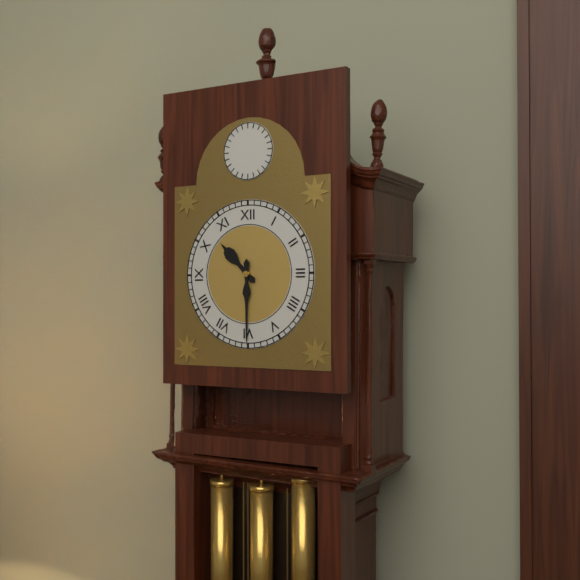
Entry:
**10:30**
